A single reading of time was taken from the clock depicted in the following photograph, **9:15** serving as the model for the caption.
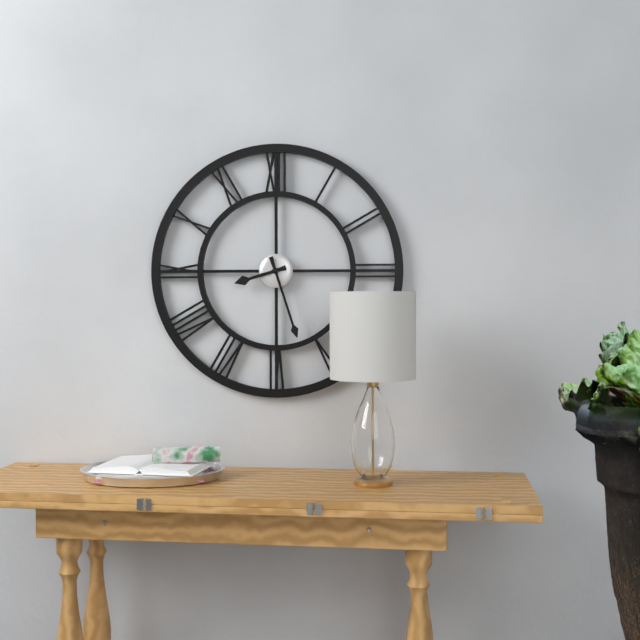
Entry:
**8:27**
